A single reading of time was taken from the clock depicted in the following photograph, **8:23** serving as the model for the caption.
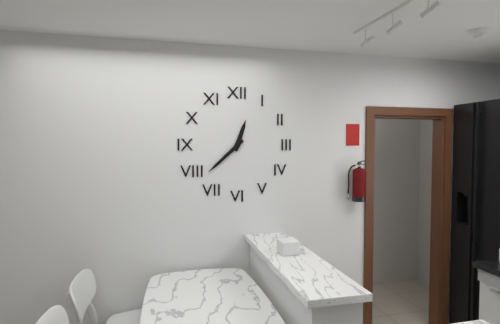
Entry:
**12:38**
